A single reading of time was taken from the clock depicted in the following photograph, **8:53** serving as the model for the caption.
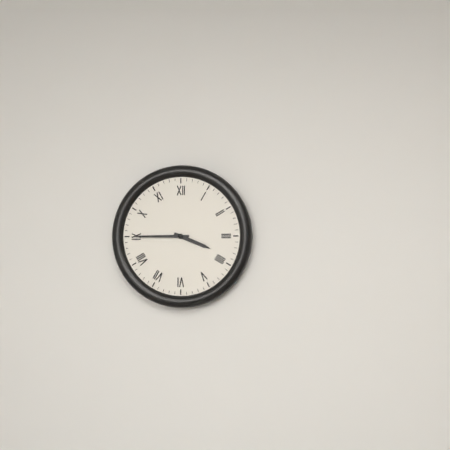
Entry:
**3:45**
